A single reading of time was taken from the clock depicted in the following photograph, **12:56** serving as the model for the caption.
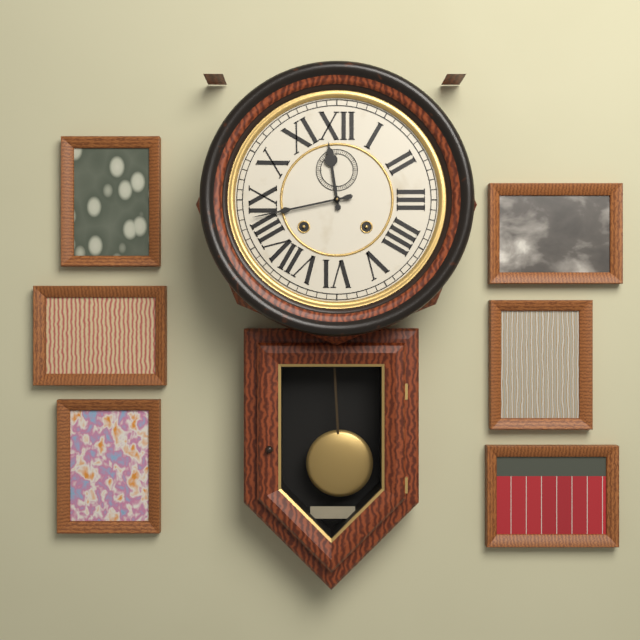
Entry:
**11:43**
